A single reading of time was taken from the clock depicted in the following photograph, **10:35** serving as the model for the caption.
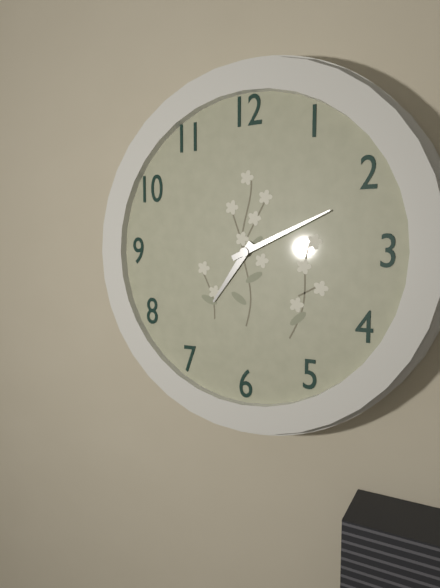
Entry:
**7:11**
